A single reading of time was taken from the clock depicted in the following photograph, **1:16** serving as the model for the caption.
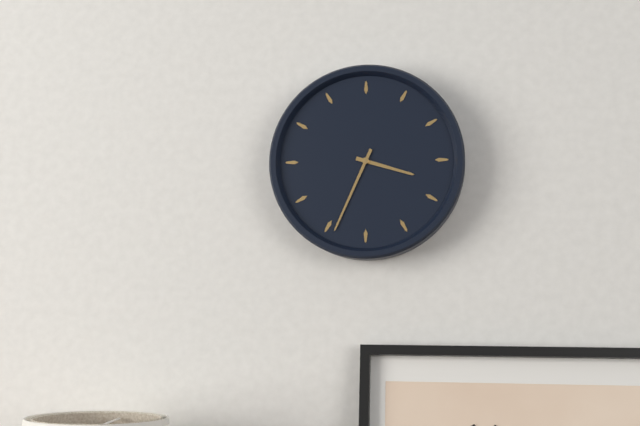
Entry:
**3:34**
